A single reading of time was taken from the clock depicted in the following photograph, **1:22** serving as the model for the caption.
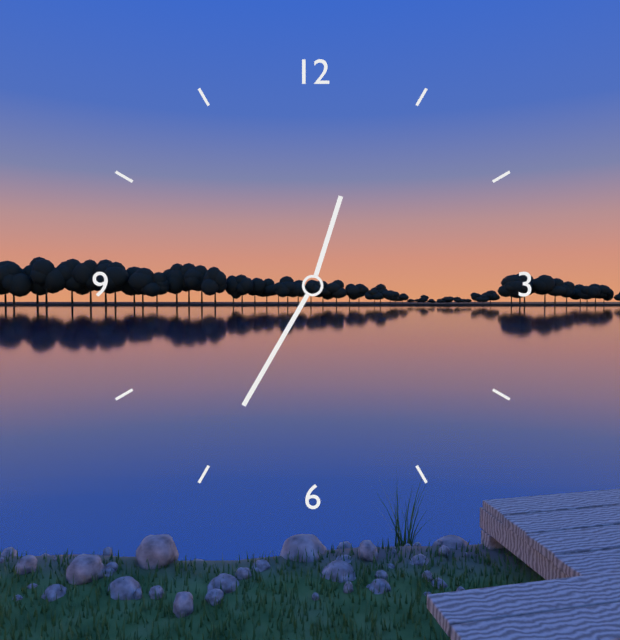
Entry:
**12:35**
